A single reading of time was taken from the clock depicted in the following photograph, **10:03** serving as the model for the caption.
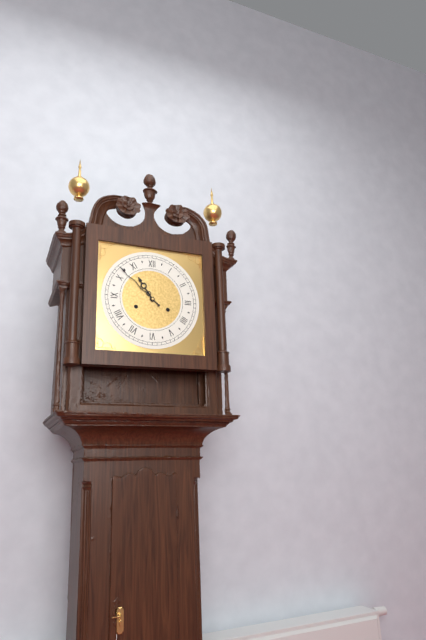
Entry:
**10:52**
